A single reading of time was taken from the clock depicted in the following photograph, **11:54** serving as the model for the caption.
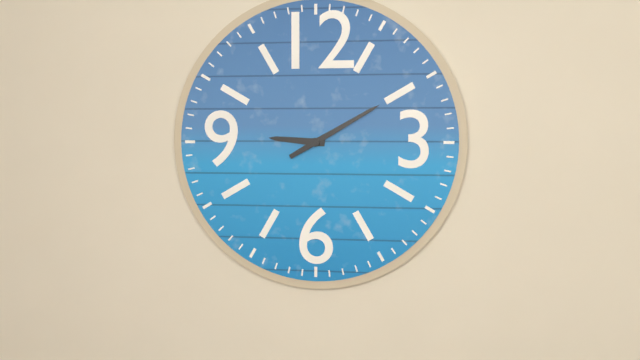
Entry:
**9:10**
